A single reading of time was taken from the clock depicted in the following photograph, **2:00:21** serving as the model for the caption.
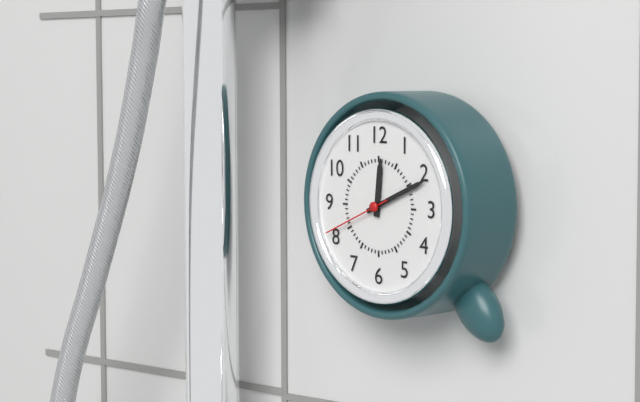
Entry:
**12:11:41**
